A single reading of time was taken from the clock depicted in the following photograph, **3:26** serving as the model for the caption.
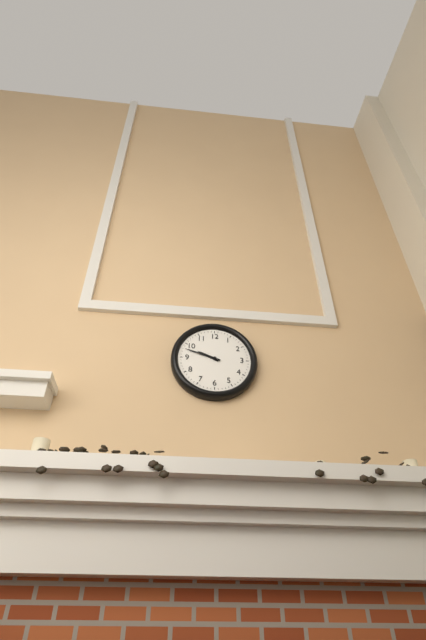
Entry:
**9:48**
